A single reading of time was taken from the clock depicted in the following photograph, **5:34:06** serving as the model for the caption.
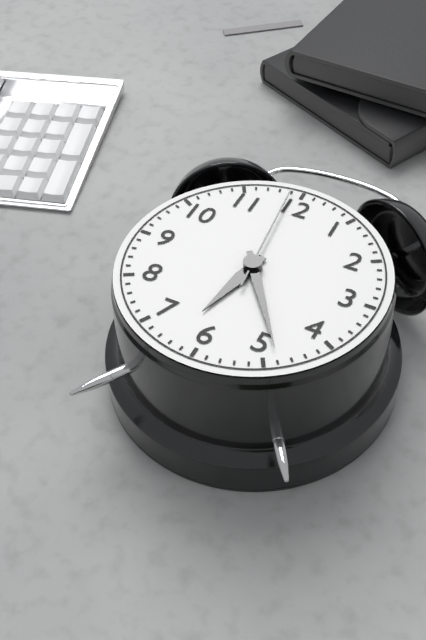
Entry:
**6:24:59**
